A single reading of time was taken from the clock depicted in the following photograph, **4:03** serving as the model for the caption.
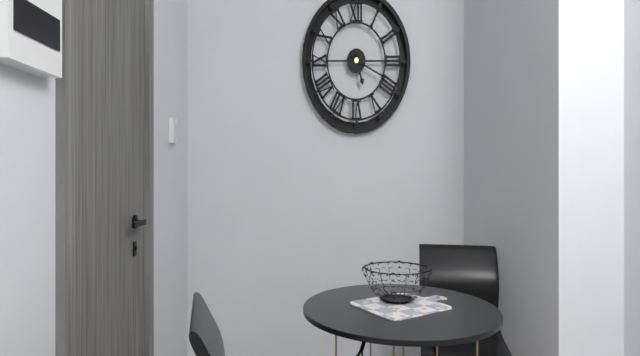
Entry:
**5:19**
